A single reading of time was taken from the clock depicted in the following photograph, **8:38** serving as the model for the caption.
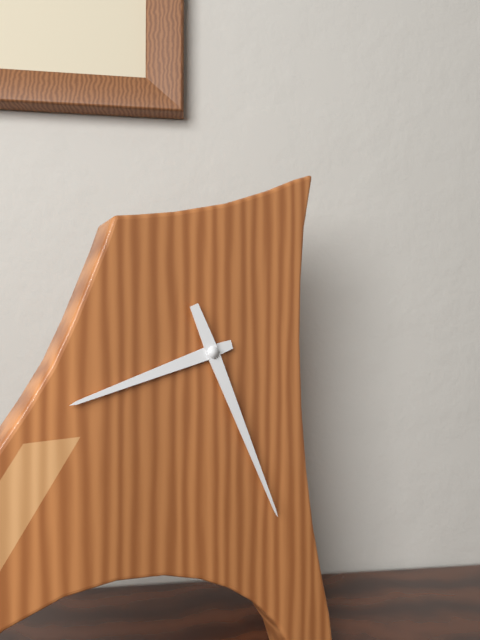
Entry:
**8:26**
